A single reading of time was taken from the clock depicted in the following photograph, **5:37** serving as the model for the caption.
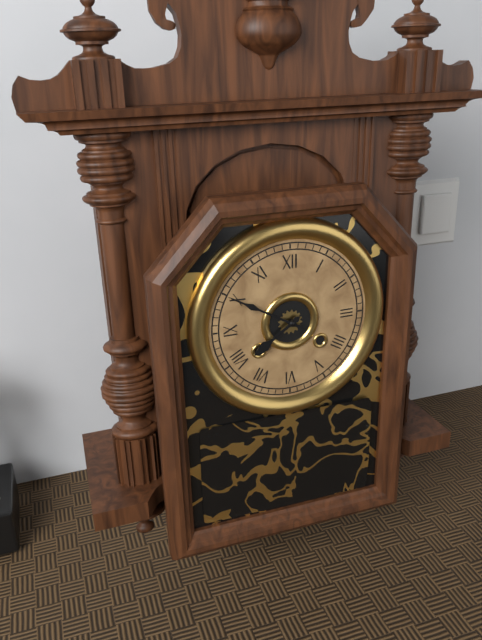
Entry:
**7:50**
